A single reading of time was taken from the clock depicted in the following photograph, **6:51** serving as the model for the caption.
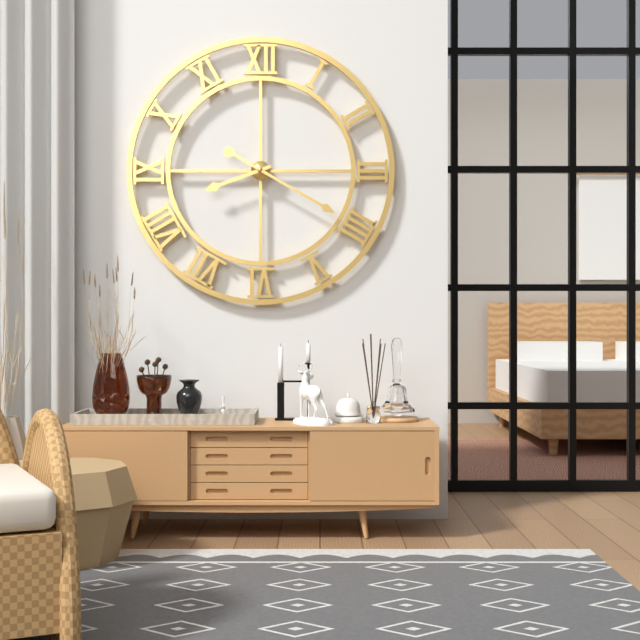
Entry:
**8:20**
